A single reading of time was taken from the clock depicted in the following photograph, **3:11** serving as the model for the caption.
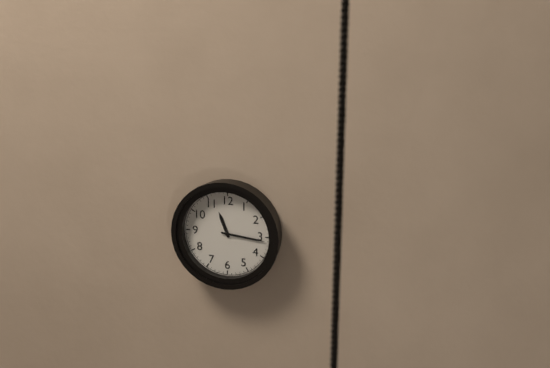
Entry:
**11:16**
